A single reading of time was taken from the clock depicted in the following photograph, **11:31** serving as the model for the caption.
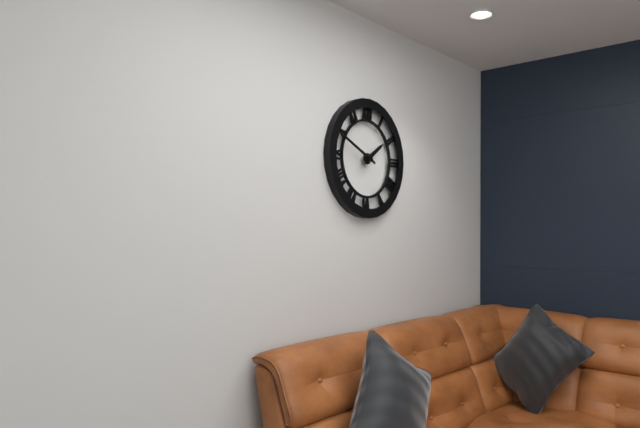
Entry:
**1:49**
